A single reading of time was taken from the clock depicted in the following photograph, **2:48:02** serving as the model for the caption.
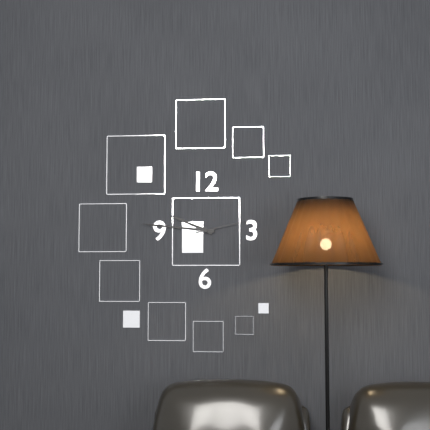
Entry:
**9:46:13**
